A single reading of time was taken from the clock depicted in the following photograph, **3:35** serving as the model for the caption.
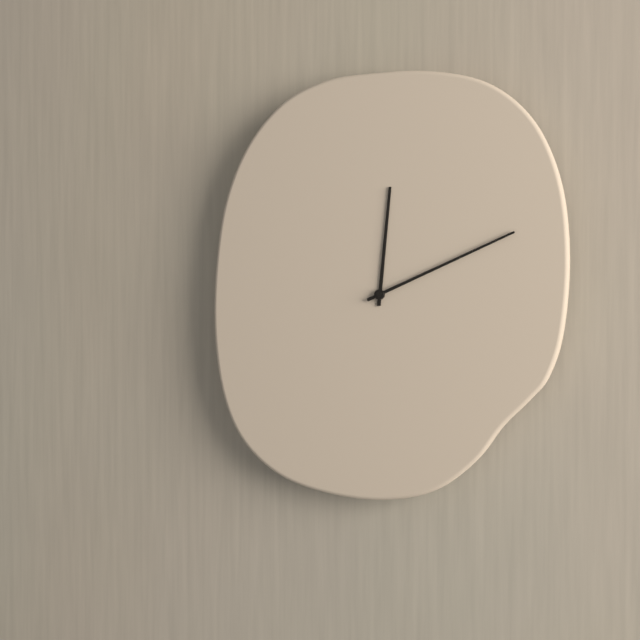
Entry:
**12:11**
